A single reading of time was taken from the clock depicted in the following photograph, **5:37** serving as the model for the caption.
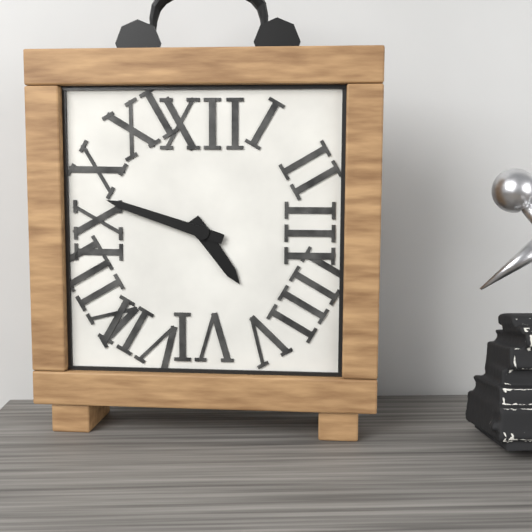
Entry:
**4:48**
